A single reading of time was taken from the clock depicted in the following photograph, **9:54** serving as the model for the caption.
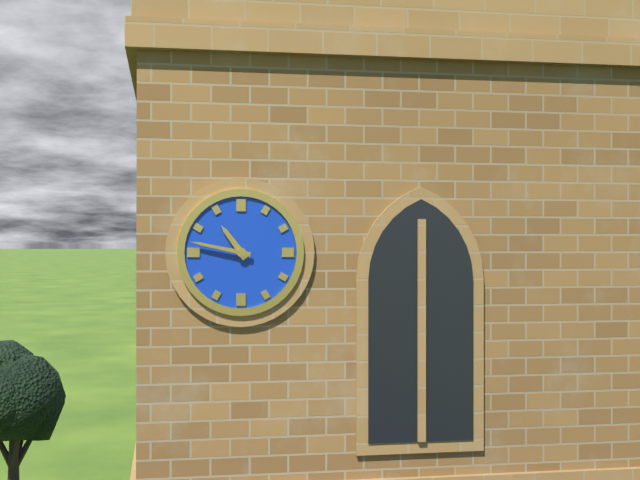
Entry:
**10:47**
